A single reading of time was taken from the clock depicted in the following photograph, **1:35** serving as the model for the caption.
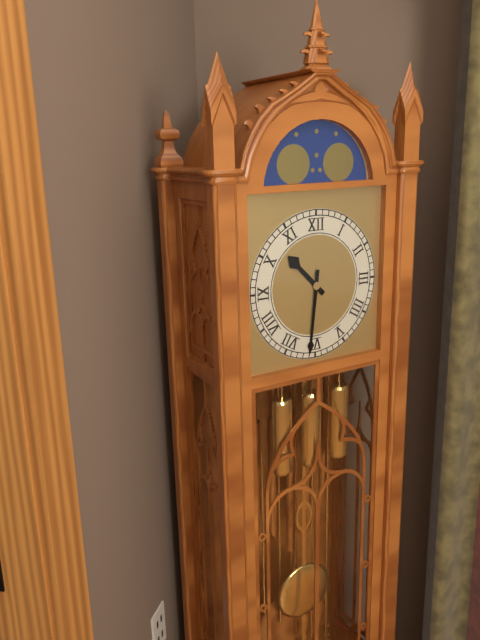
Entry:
**10:31**
